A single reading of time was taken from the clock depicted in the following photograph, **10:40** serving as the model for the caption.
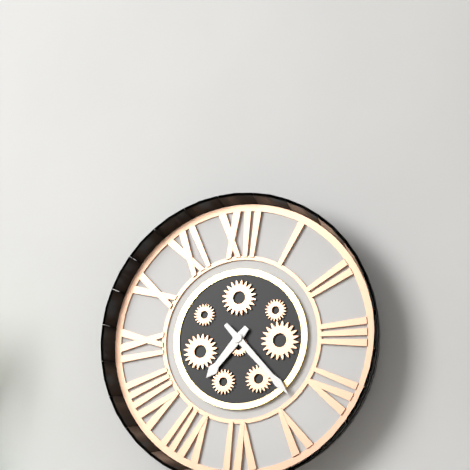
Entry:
**7:23**
